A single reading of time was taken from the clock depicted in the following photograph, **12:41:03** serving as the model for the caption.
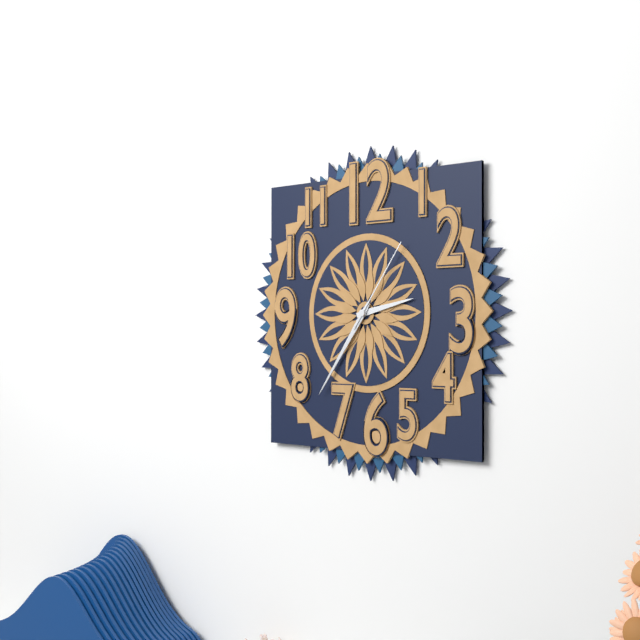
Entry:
**2:36:06**
